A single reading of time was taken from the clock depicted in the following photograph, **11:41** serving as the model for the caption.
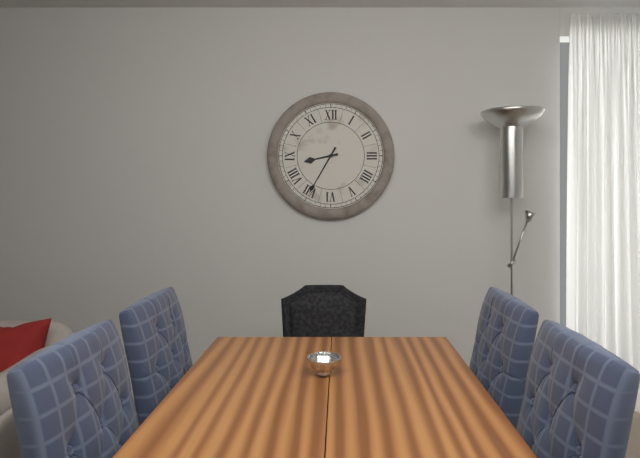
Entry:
**8:35**
